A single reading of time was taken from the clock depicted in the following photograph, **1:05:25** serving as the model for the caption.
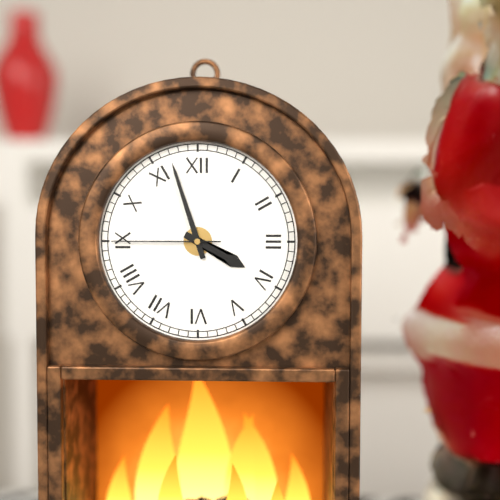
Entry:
**3:57:45**
